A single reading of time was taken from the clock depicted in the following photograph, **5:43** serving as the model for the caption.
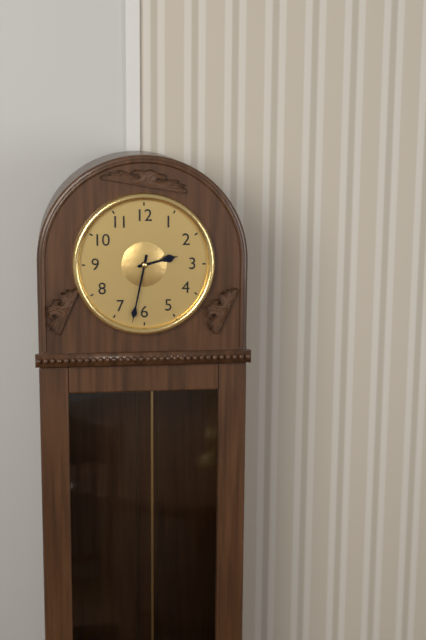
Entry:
**2:32**
